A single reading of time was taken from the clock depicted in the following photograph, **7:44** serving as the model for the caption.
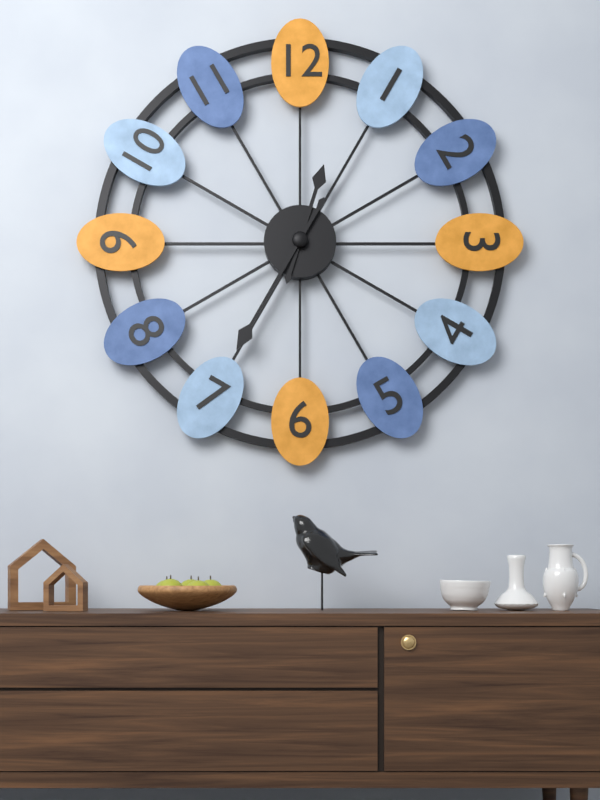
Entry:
**12:35**
